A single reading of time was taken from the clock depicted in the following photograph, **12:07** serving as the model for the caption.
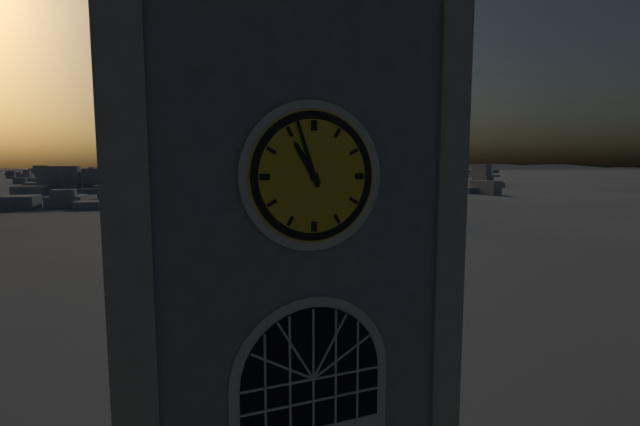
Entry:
**10:57**
